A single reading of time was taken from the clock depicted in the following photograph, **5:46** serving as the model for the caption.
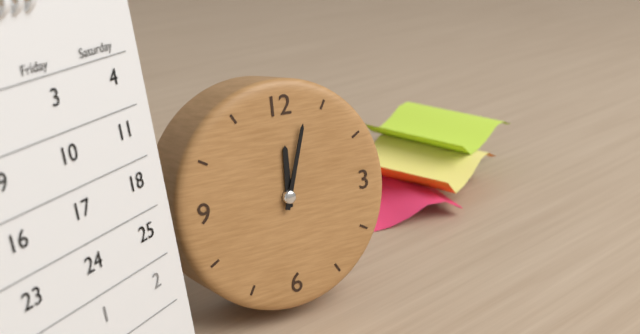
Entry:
**12:03**
